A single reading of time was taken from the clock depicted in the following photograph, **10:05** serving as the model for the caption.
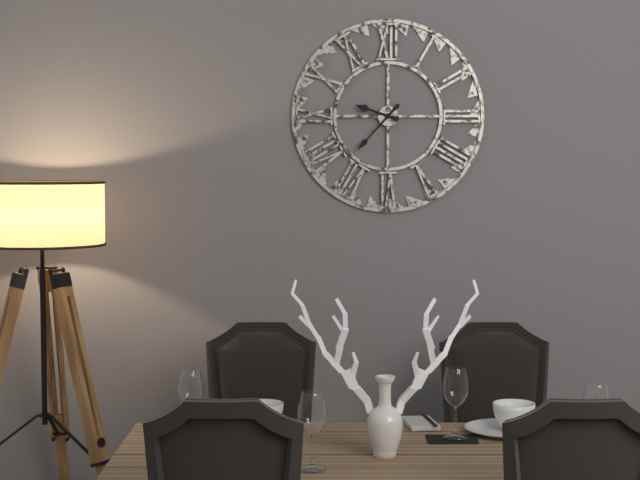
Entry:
**9:37**
